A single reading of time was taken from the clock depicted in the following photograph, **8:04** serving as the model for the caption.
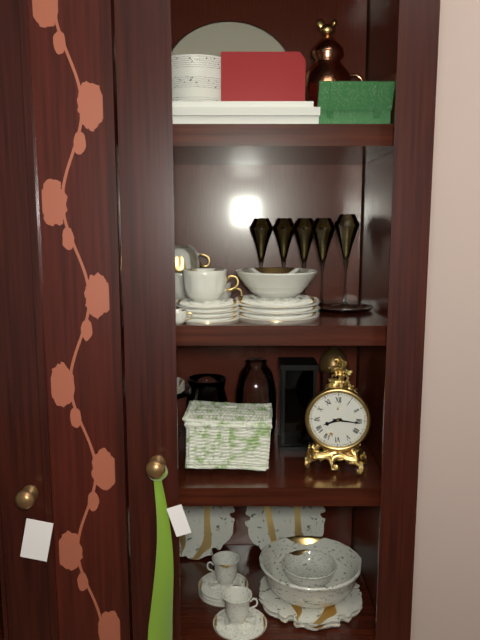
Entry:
**8:16**
